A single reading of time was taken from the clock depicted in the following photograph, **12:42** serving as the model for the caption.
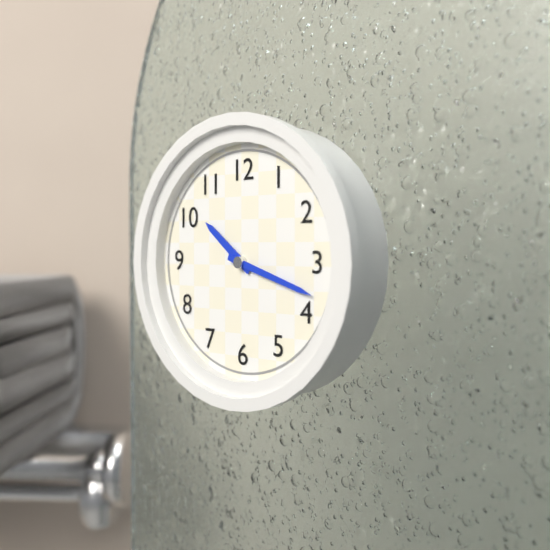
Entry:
**10:18**
